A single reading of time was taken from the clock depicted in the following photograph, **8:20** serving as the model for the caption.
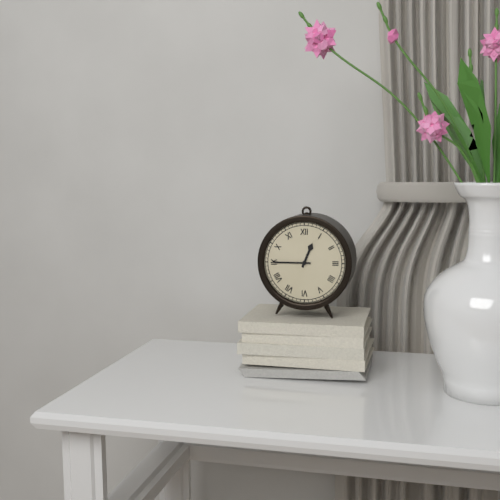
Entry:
**12:45**
